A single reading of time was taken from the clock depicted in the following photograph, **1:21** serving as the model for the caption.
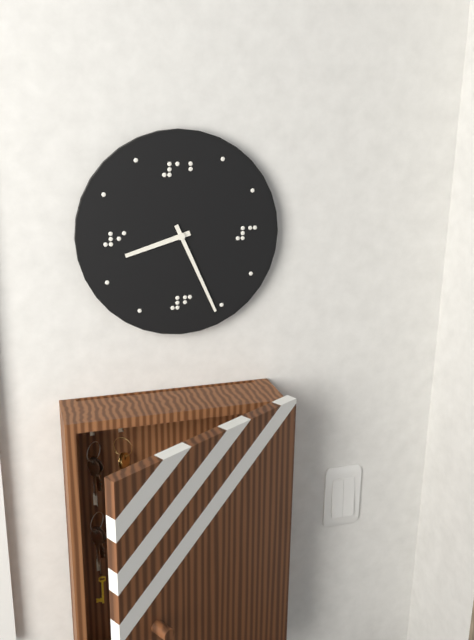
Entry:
**8:26**
